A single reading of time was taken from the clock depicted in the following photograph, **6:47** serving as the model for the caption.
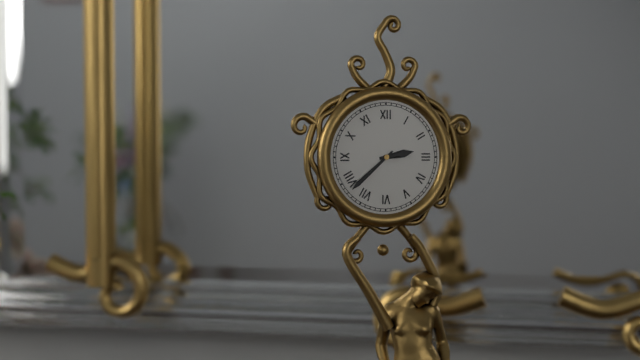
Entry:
**2:38**
